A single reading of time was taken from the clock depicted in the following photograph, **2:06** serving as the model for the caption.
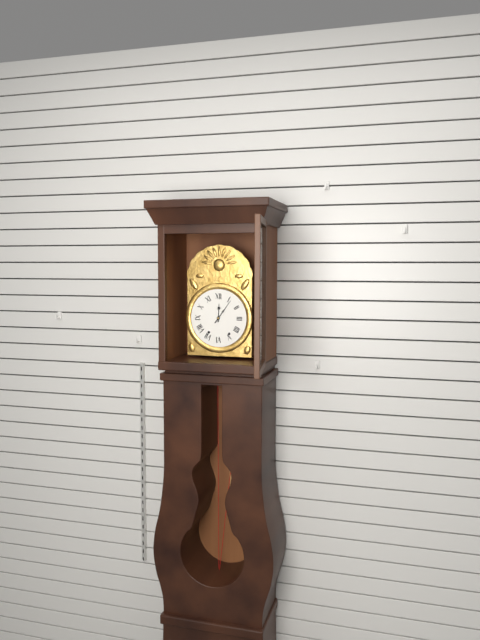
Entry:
**12:06**
